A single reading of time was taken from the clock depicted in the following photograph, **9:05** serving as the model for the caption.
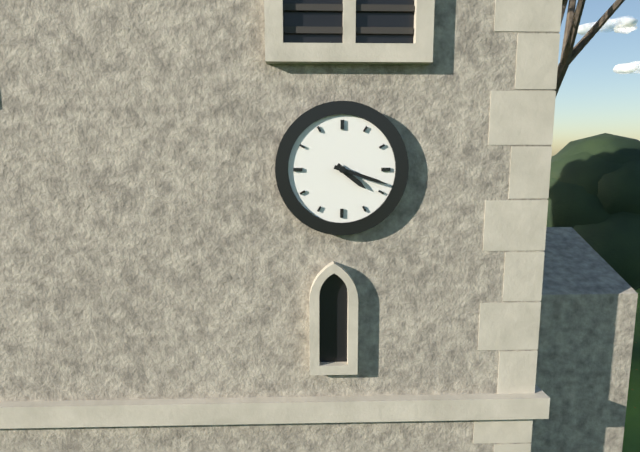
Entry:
**4:18**
